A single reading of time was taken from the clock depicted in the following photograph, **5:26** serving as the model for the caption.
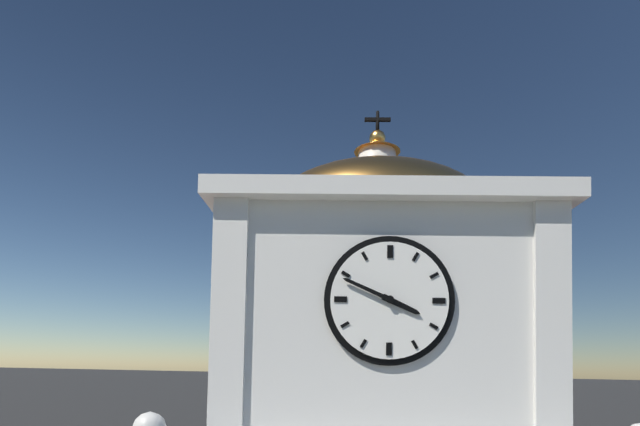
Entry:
**3:49**
